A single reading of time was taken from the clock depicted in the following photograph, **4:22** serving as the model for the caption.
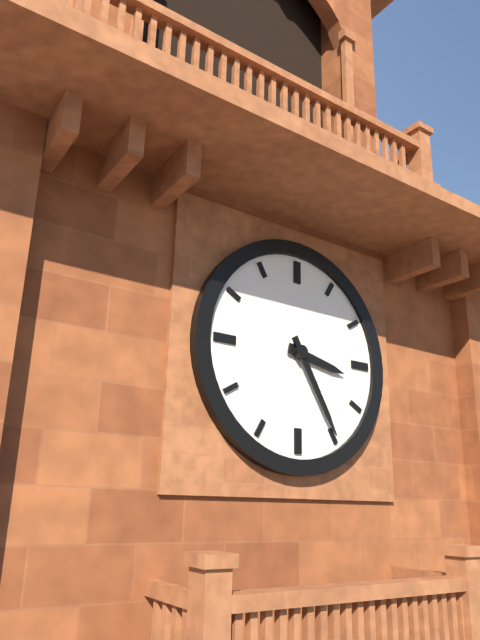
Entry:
**3:25**
